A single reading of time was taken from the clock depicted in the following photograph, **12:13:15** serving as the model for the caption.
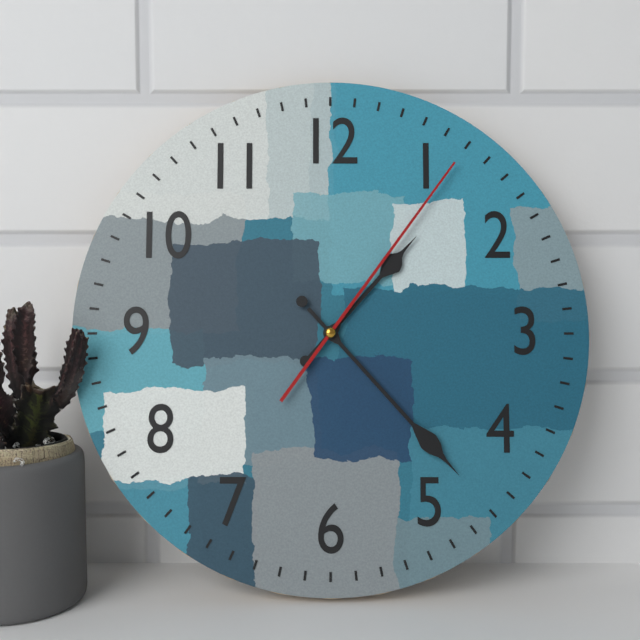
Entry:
**1:23:06**
